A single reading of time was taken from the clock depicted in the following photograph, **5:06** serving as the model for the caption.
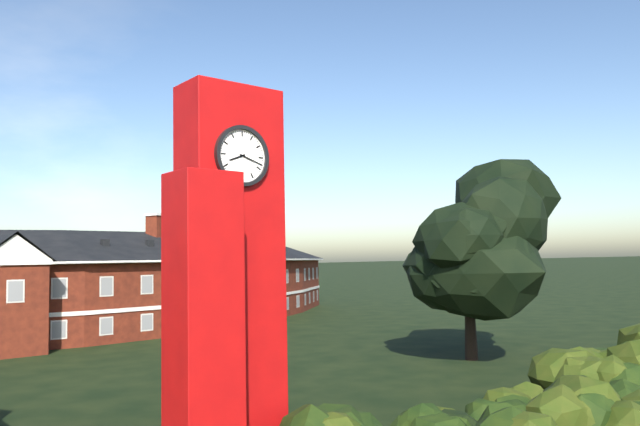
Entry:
**8:18**
